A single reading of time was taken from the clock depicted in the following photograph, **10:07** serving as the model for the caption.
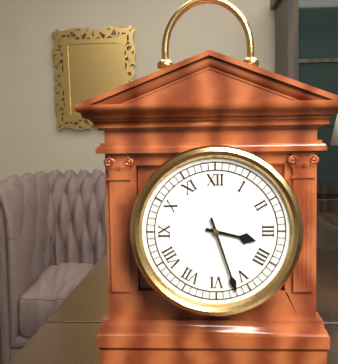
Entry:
**3:27**
